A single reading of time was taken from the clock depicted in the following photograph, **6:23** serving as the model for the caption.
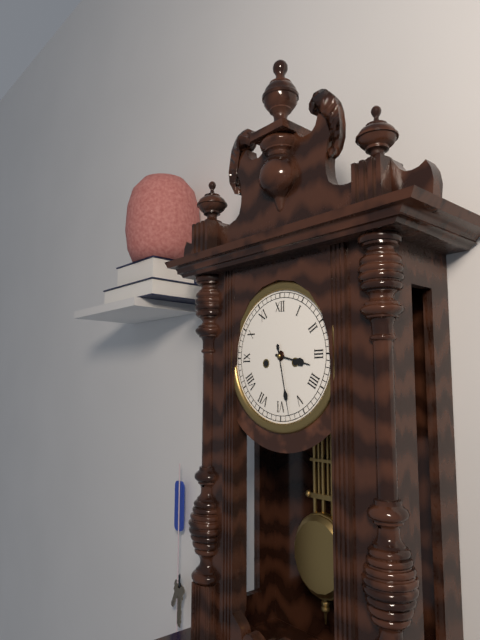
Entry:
**3:28**
